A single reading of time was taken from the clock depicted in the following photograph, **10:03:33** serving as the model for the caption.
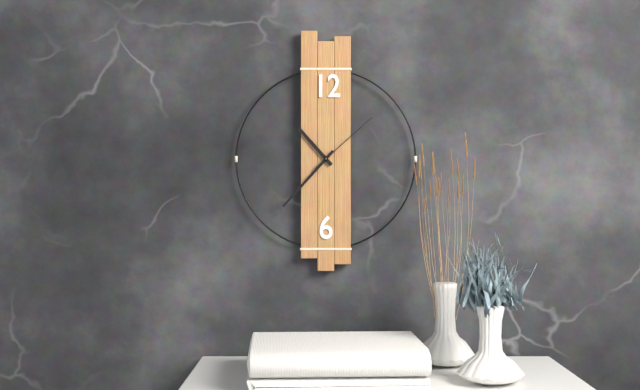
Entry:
**10:37:08**
